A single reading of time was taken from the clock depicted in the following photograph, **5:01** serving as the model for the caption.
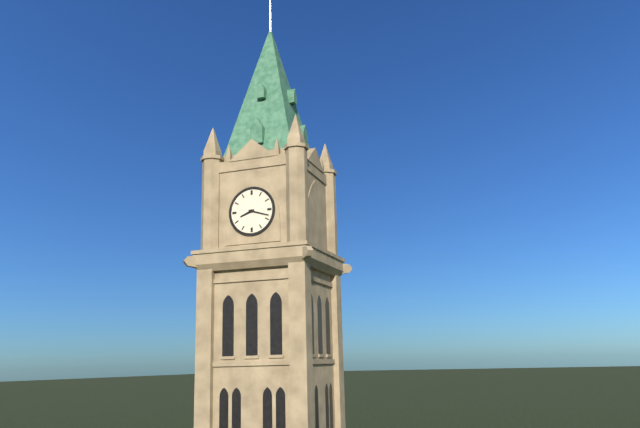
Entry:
**8:18**
